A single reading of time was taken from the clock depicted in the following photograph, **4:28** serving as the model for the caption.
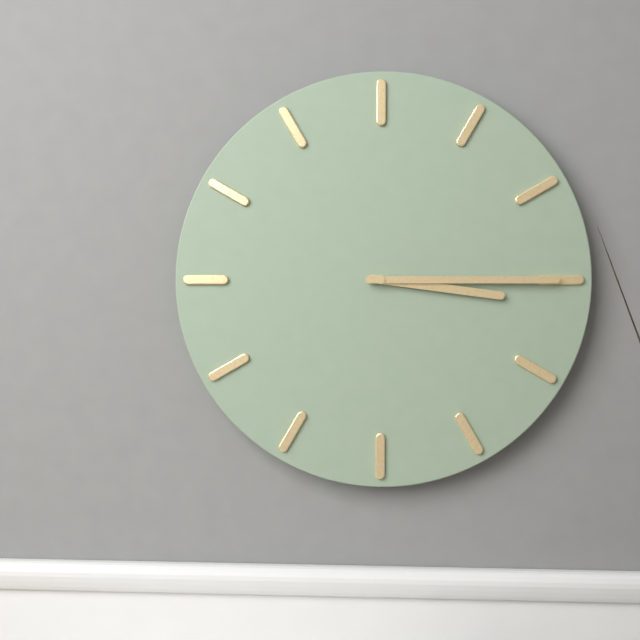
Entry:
**3:15**
